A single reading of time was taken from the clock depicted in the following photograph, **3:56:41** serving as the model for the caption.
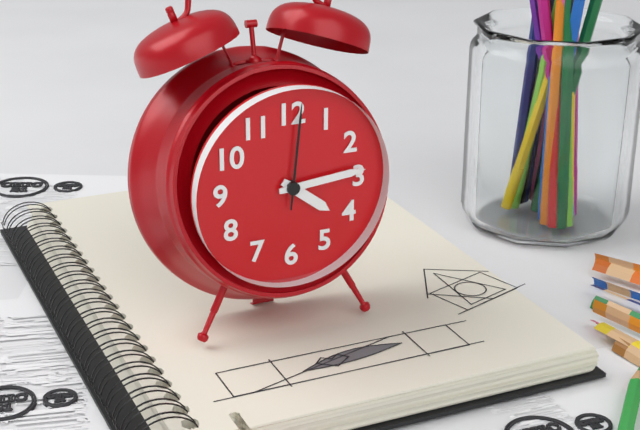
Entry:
**4:14:01**
